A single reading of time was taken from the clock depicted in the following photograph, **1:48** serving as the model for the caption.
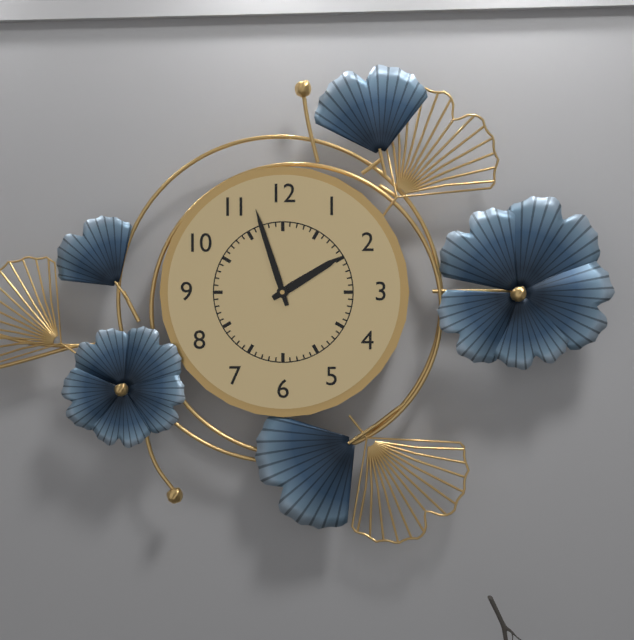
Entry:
**1:57**
